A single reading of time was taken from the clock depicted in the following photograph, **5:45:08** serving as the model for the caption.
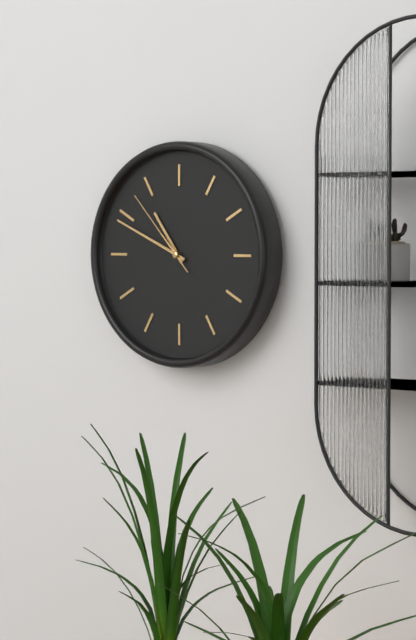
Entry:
**10:49:53**
